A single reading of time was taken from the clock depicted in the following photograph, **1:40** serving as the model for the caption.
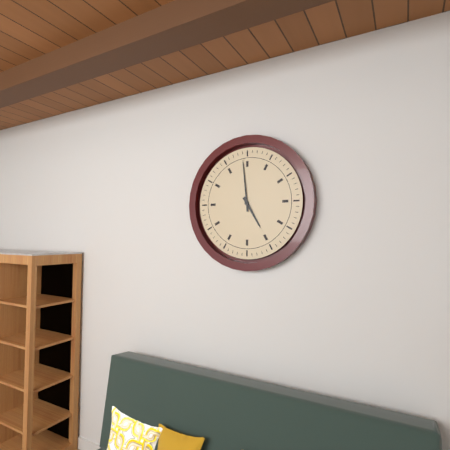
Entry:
**4:59**
